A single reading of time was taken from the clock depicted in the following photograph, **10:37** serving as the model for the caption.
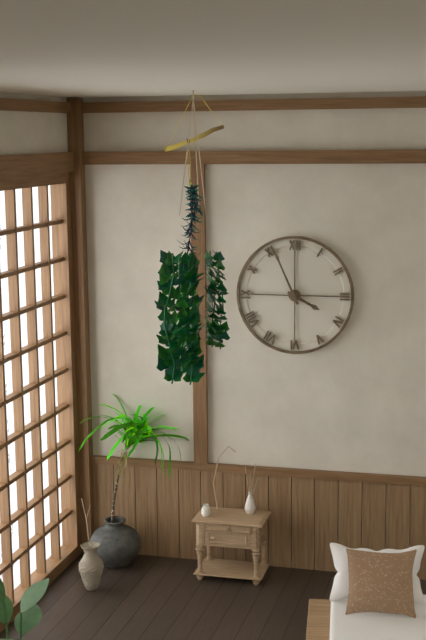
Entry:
**3:56**
